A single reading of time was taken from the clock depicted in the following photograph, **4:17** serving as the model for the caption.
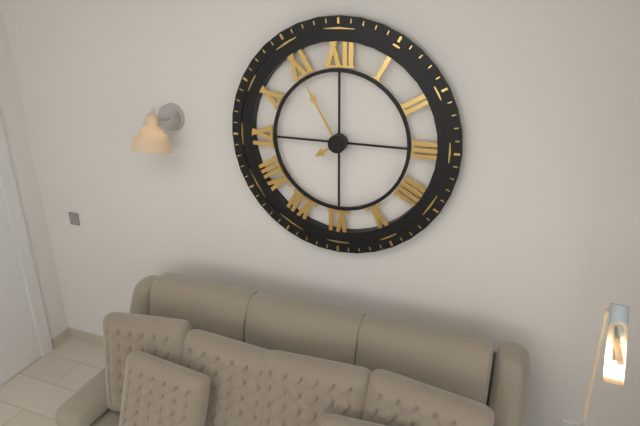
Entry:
**7:55**
